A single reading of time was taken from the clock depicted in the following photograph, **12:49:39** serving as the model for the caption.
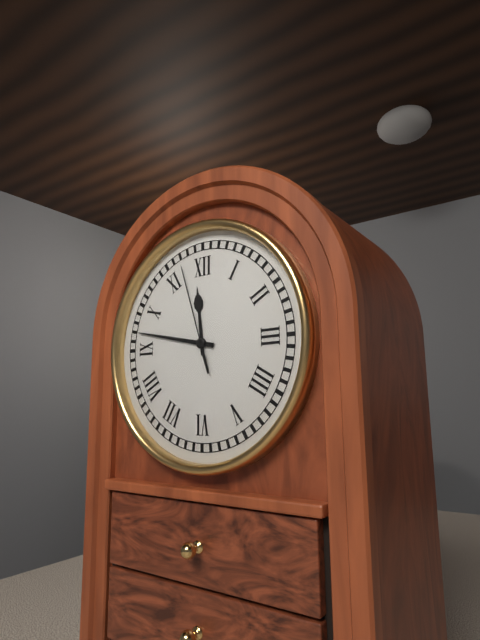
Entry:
**11:47:57**
